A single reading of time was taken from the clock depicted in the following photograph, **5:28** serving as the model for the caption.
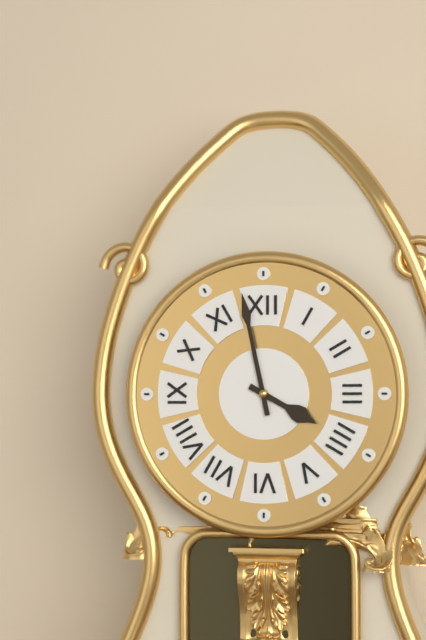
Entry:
**3:58**
